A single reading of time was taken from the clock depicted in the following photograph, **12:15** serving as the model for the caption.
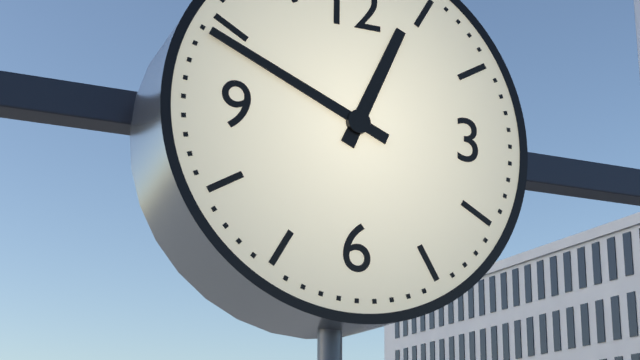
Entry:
**12:49**
